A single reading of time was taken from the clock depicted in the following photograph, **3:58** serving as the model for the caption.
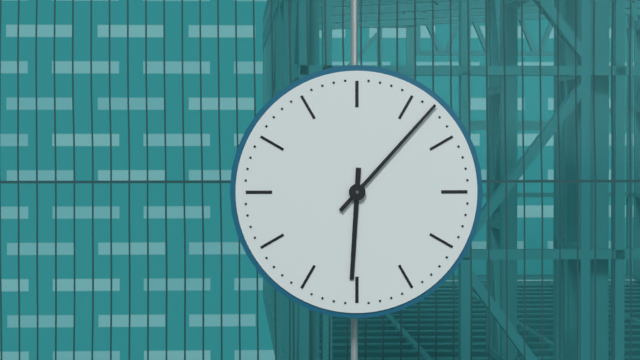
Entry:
**6:07**
